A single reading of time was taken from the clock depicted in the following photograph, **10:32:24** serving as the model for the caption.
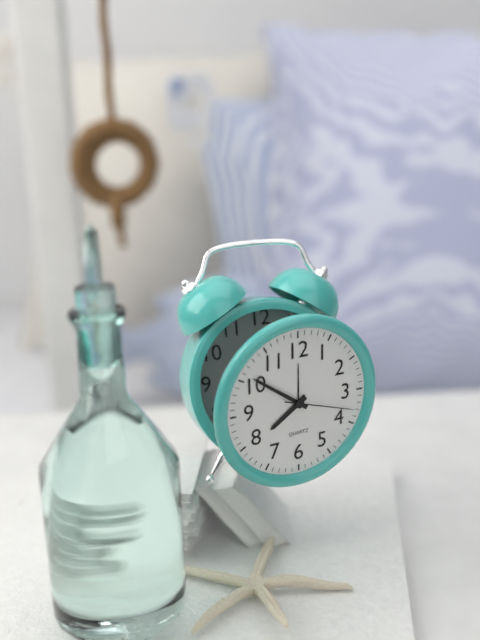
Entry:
**7:51:18**
